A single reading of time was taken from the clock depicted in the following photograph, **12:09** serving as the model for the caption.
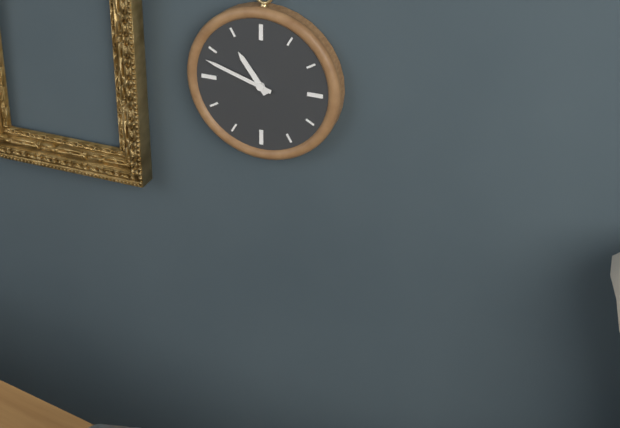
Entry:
**10:48**
